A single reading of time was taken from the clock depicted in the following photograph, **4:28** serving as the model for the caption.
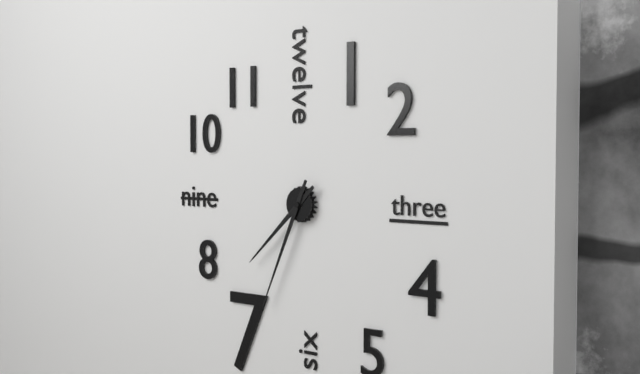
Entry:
**7:34**
